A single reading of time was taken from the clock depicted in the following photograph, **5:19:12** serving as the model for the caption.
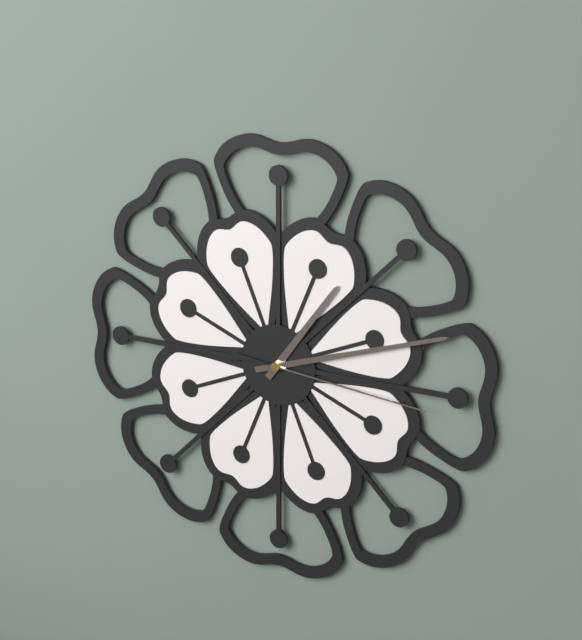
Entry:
**1:12:16**
